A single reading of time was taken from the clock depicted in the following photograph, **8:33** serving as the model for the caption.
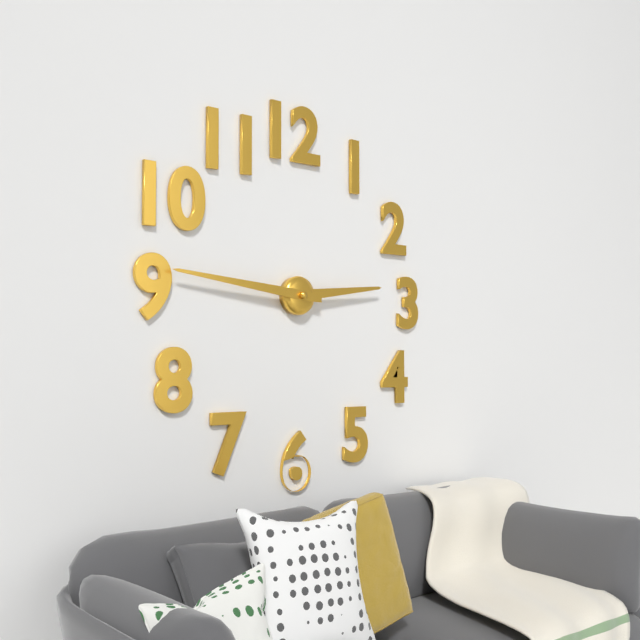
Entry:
**2:46**
